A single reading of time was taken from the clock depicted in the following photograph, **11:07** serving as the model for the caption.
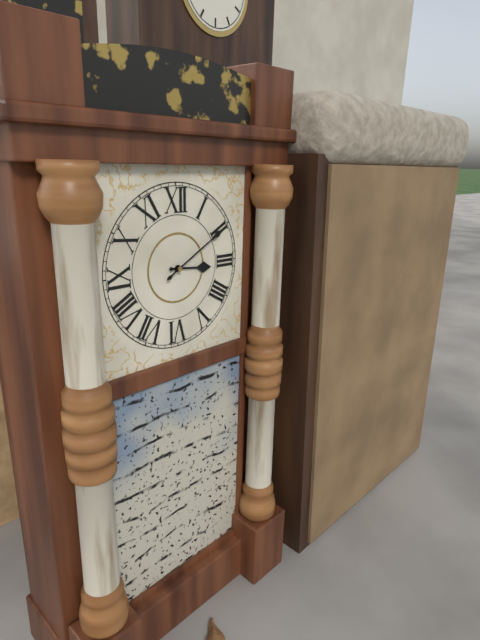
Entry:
**3:10**
